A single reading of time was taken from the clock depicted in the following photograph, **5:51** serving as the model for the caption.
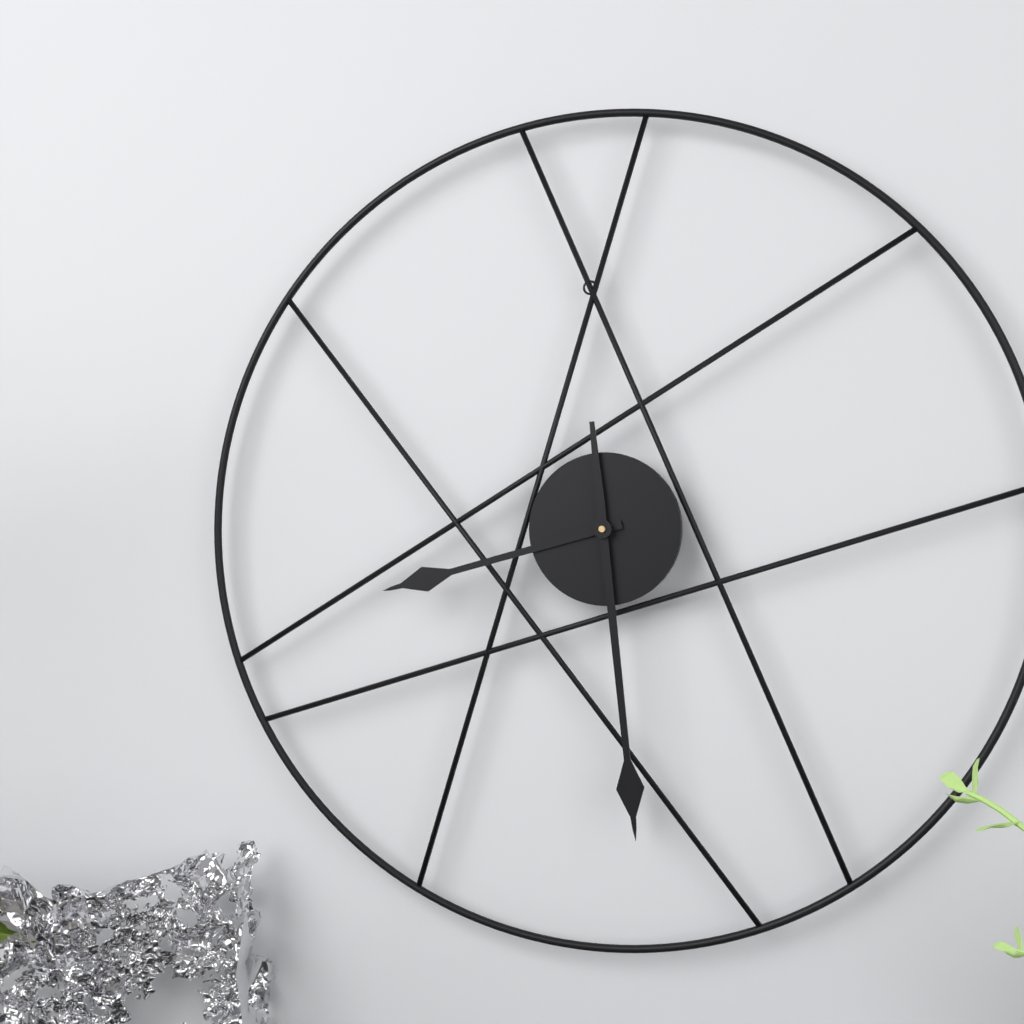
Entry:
**8:29**
